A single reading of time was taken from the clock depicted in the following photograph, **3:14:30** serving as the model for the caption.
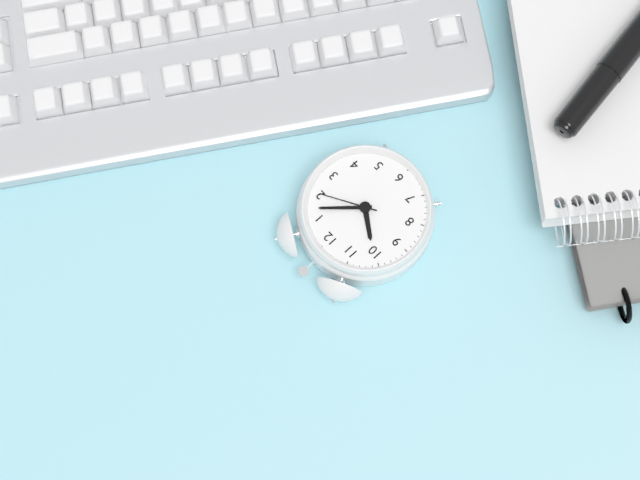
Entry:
**10:07:10**
